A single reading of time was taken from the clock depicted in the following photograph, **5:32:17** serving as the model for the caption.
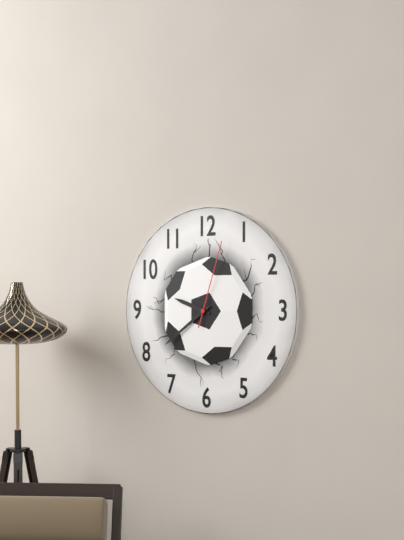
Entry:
**9:39:03**
